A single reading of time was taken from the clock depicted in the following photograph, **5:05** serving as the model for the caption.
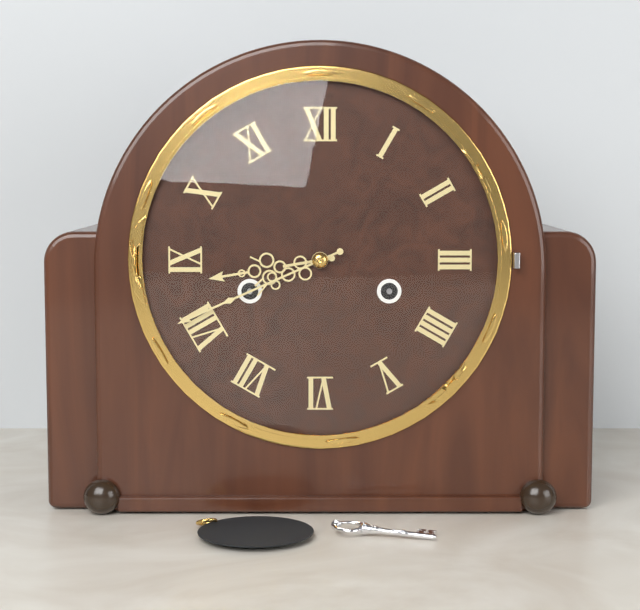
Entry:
**8:41**
